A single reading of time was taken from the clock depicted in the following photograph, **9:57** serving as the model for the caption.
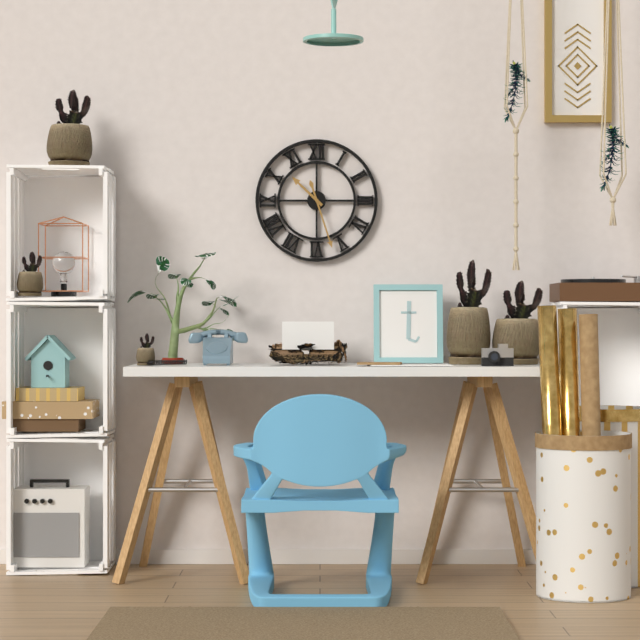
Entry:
**10:27**
